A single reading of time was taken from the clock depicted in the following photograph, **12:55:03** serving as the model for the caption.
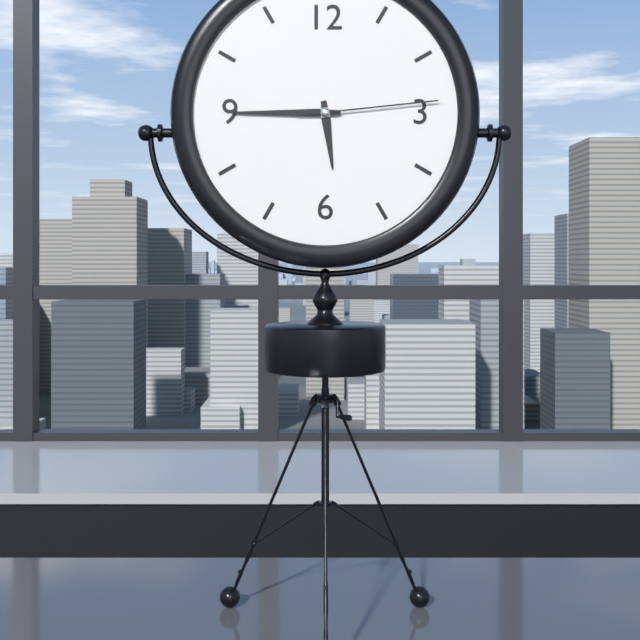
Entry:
**5:45:14**
